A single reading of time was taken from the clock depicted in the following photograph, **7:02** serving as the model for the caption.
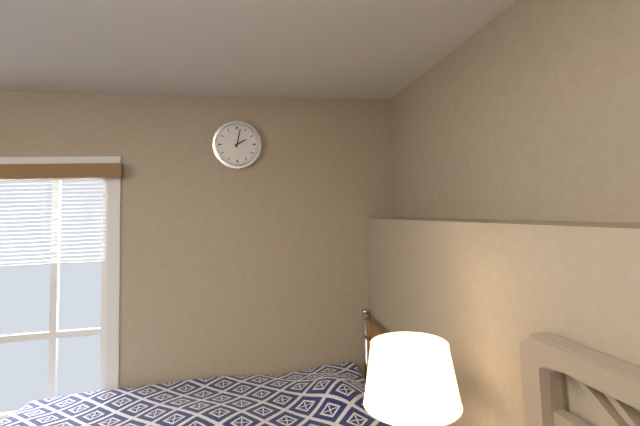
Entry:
**2:02**
